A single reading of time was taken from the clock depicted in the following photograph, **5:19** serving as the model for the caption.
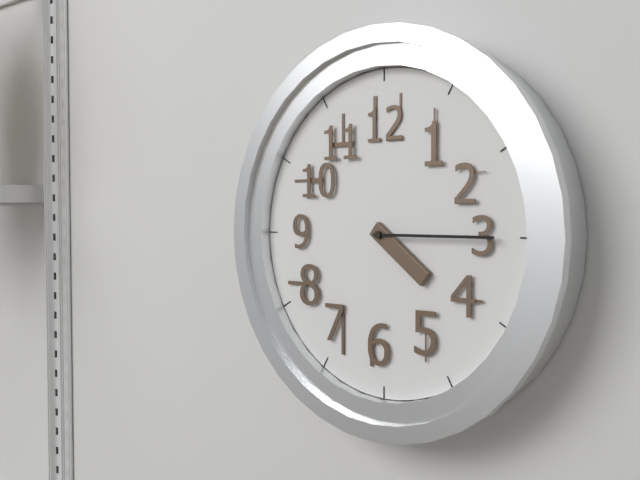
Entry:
**4:15**
